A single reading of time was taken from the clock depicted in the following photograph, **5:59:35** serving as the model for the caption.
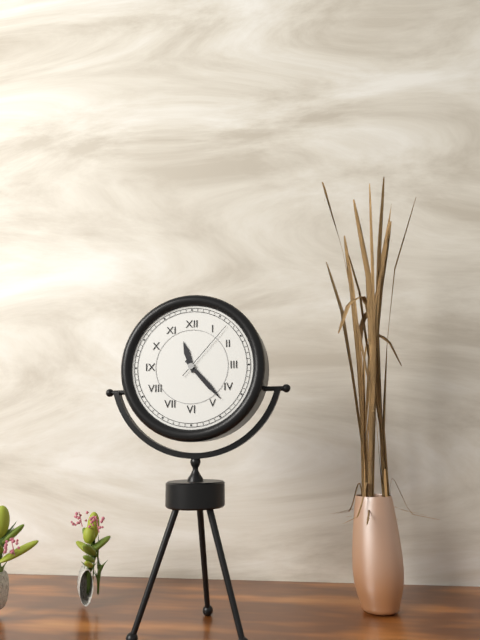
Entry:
**11:23:07**
